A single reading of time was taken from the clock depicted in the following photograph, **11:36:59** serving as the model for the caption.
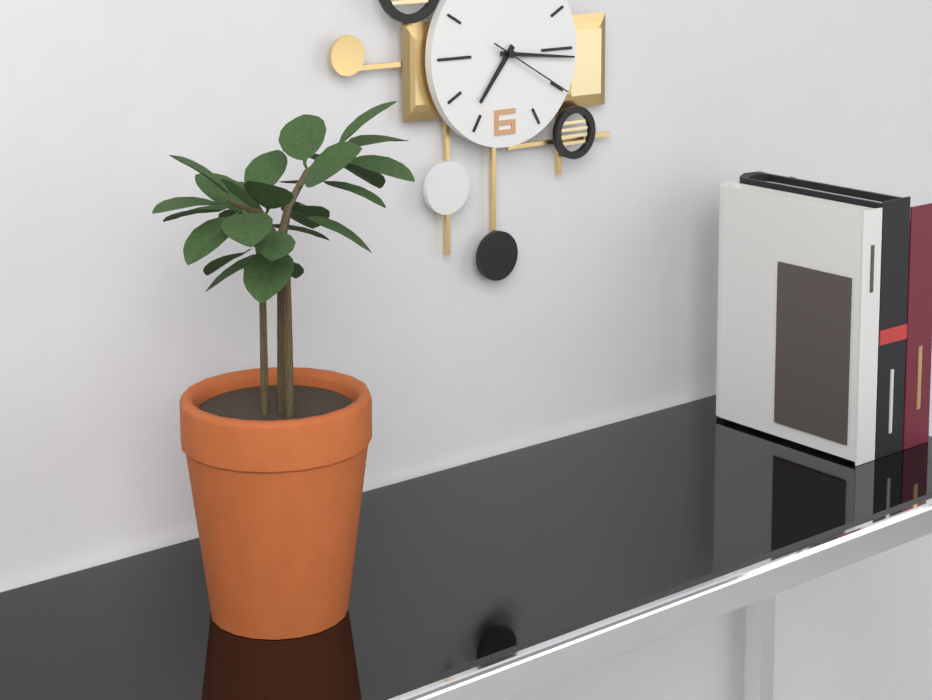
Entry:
**7:16:20**
